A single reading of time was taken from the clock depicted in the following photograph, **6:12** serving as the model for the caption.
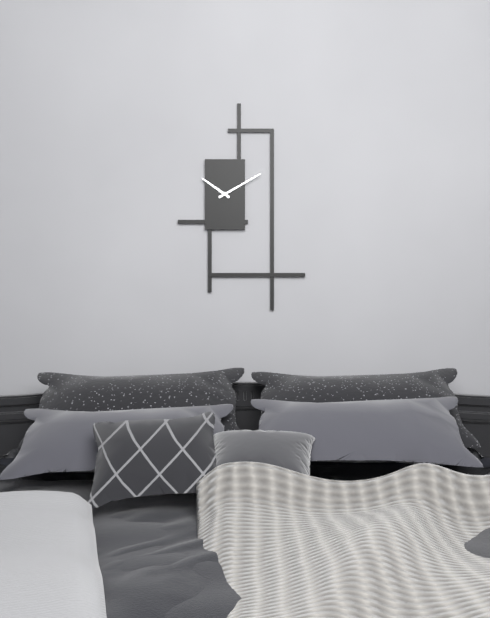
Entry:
**10:10**
